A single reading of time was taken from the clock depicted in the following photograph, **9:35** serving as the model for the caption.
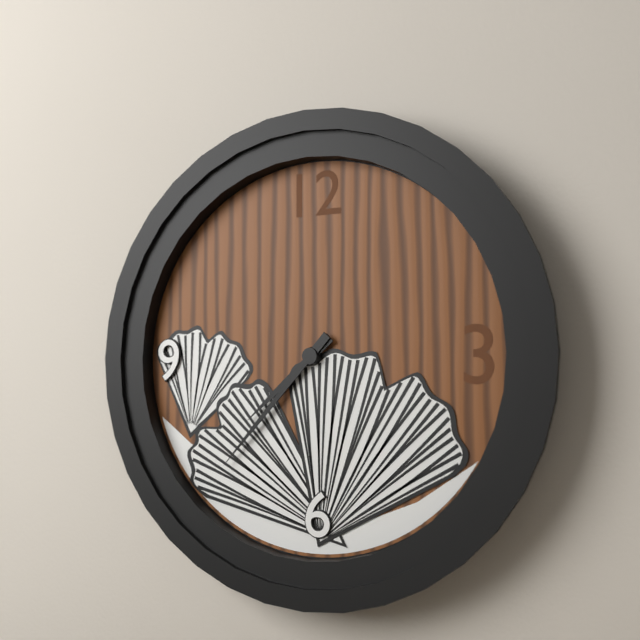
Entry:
**7:37**
